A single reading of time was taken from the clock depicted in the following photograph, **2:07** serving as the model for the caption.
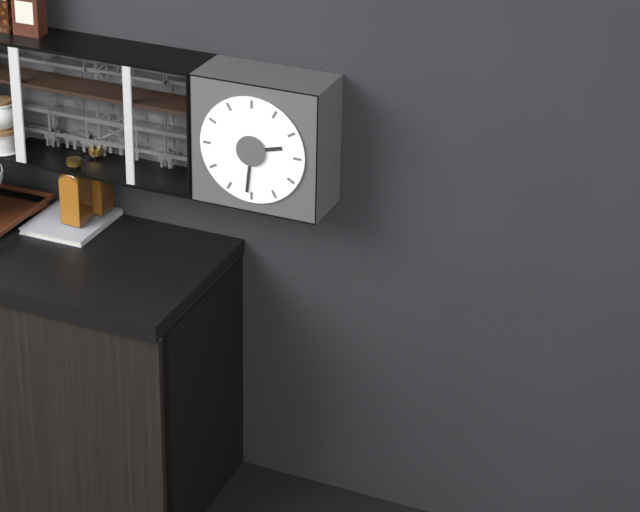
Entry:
**2:31**
